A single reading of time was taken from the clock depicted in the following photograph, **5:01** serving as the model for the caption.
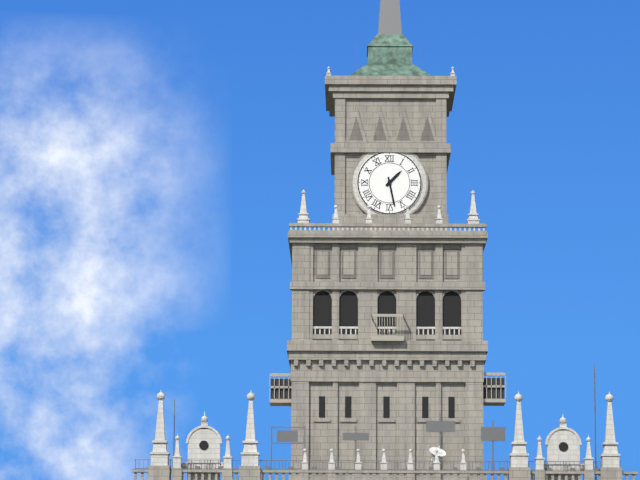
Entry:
**1:28**
